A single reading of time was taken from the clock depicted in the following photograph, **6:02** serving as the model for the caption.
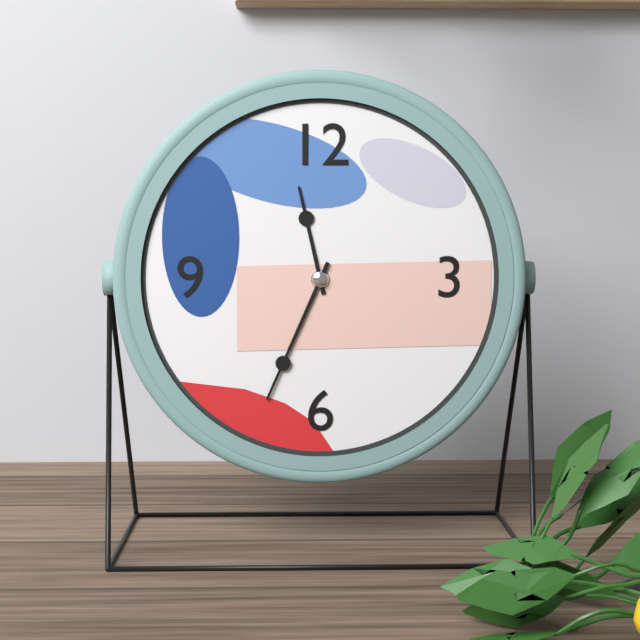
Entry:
**11:34**
